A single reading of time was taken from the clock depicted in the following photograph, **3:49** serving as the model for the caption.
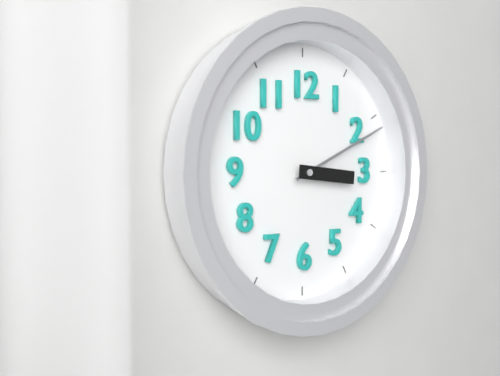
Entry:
**3:11**
